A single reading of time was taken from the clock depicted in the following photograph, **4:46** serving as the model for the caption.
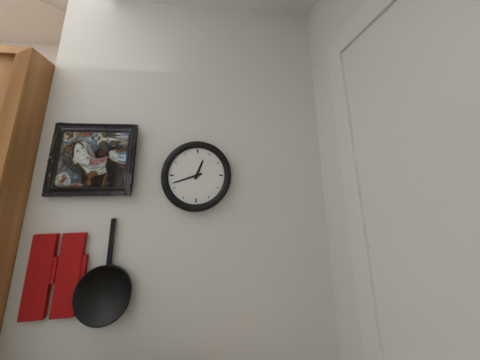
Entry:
**12:42**
